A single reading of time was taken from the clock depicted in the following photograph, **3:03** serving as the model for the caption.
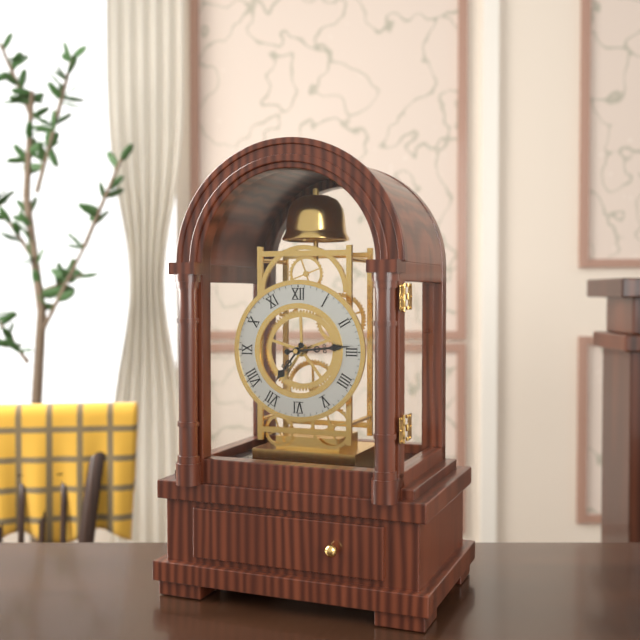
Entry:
**7:14**
